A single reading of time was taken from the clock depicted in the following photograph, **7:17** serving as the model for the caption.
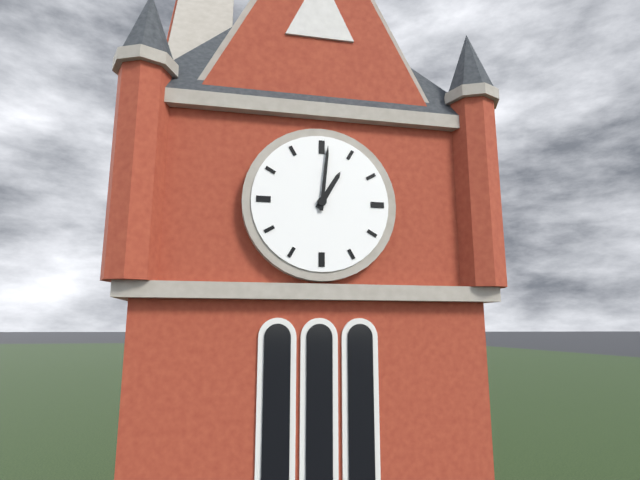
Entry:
**1:01**
